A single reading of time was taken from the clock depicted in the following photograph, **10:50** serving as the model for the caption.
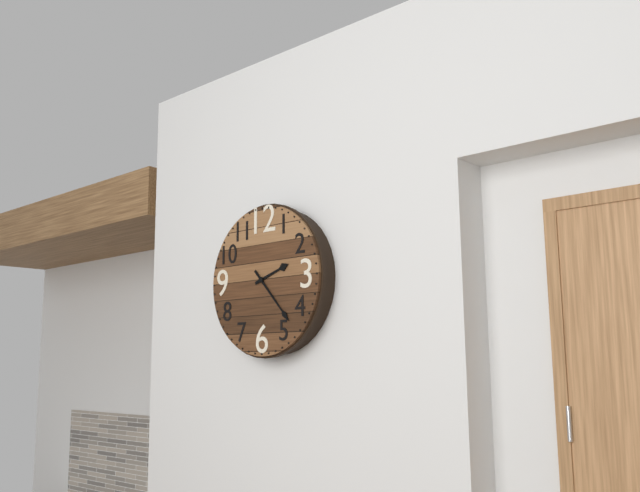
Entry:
**2:23**
